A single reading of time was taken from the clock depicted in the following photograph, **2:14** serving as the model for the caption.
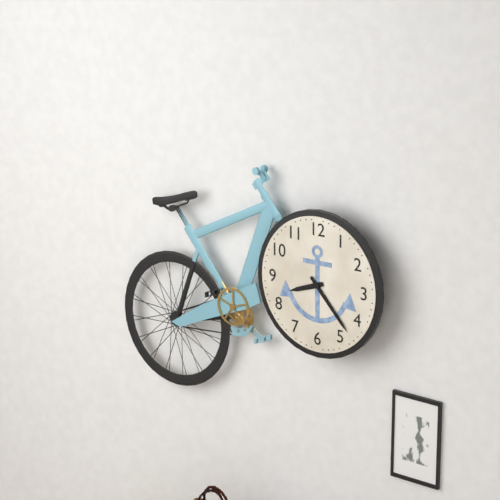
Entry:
**8:23**
